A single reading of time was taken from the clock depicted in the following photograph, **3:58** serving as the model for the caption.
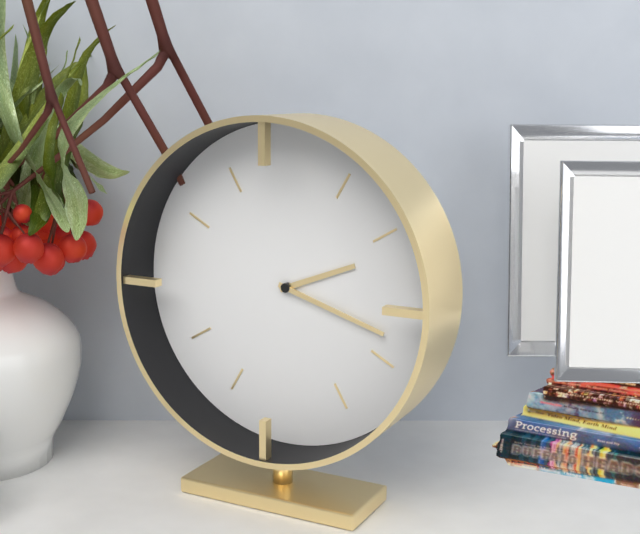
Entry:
**2:18**
